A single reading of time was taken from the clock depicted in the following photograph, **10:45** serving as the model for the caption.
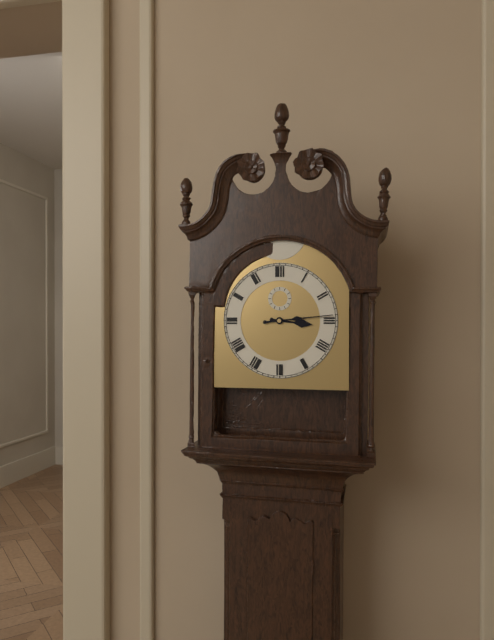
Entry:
**3:14**
